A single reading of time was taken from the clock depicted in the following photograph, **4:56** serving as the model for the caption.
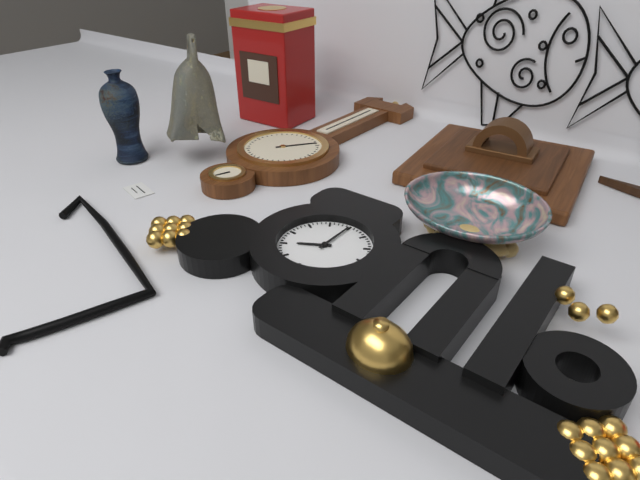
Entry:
**8:00**
